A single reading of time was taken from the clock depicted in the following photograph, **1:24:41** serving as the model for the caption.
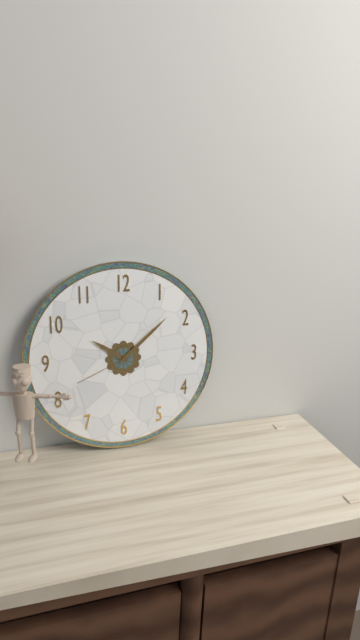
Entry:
**10:08:41**
